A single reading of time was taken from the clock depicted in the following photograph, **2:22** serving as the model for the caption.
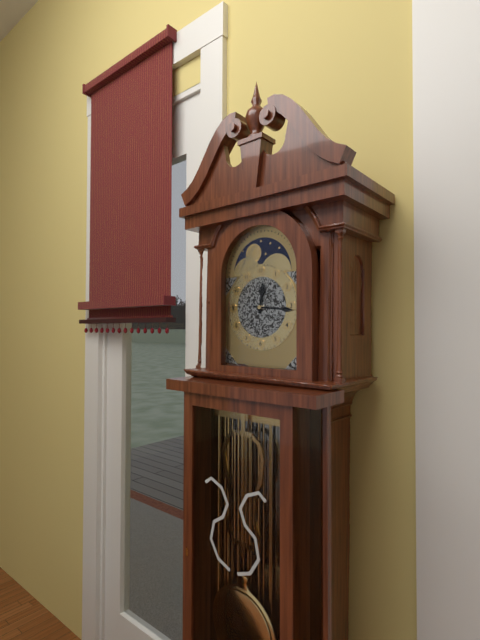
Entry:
**12:16**
